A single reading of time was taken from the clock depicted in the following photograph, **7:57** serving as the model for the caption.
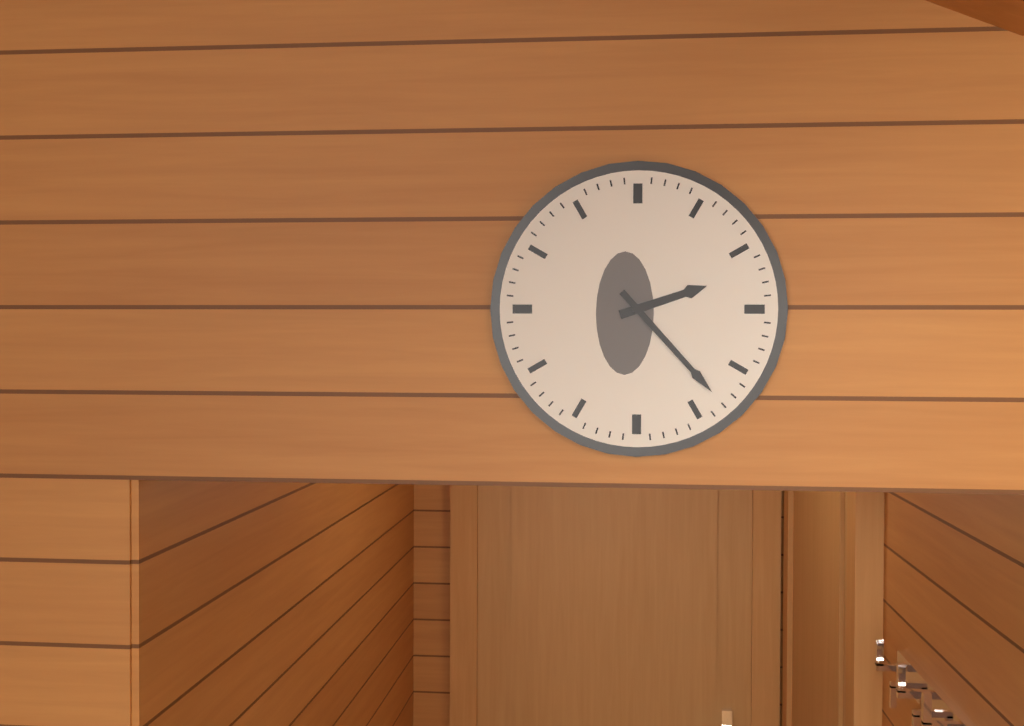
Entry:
**2:23**
